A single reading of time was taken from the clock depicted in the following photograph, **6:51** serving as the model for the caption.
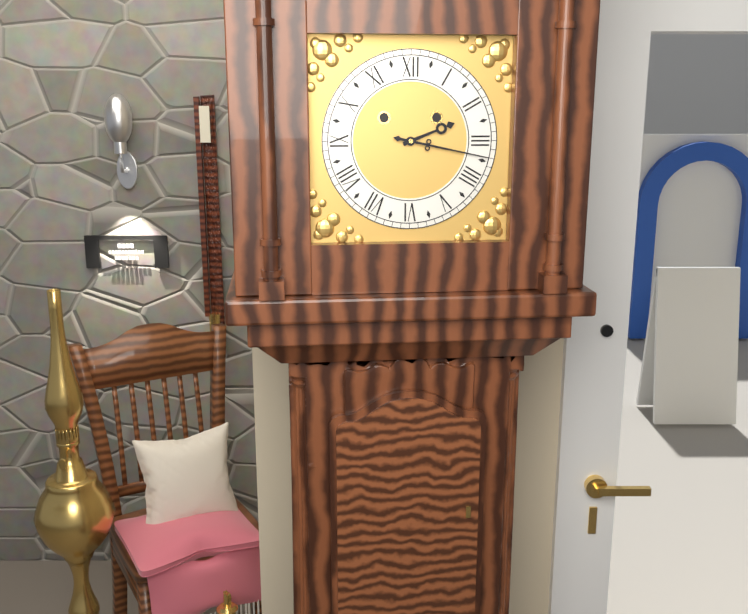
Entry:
**2:17**
